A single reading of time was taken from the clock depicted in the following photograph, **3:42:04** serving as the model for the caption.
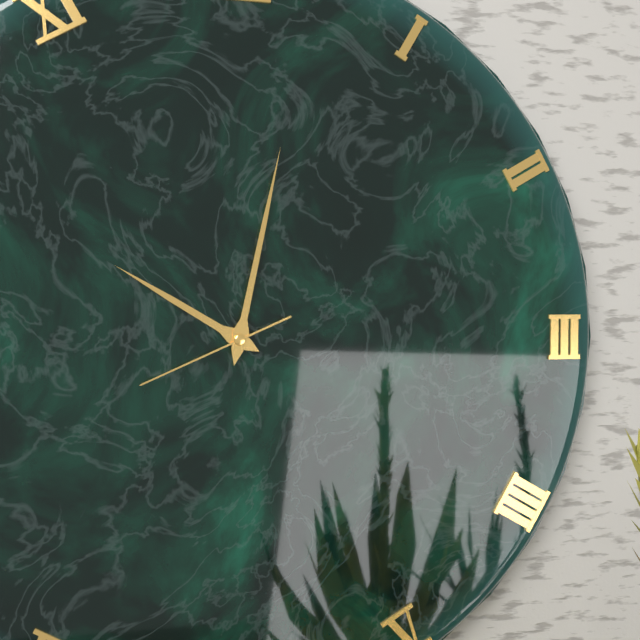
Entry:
**10:02:41**
